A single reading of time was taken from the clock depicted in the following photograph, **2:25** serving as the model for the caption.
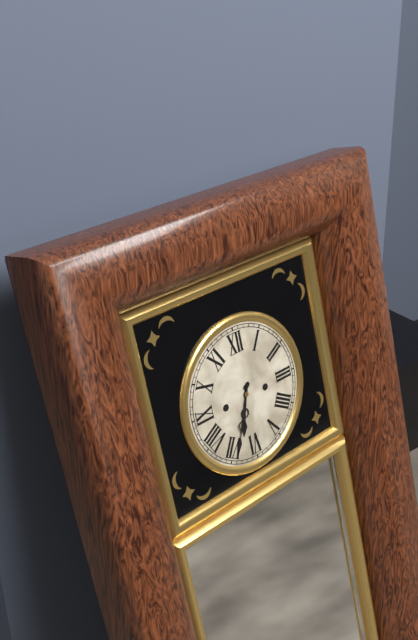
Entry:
**6:34**
